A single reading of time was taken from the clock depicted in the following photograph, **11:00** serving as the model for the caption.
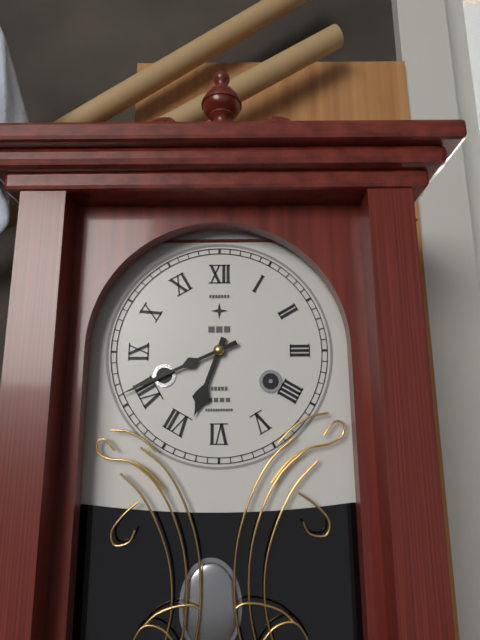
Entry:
**6:41**
